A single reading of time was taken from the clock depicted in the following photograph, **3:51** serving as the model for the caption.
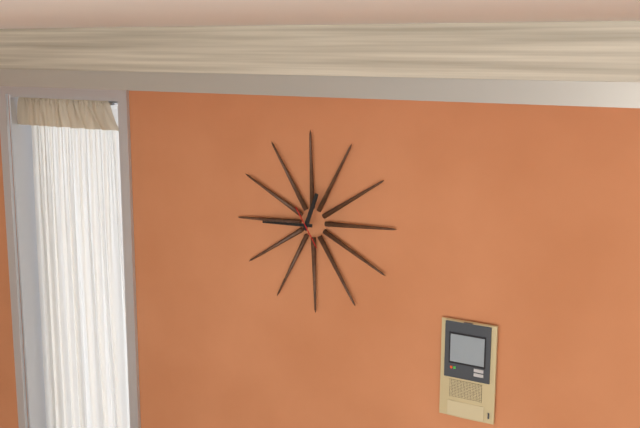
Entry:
**12:45**
